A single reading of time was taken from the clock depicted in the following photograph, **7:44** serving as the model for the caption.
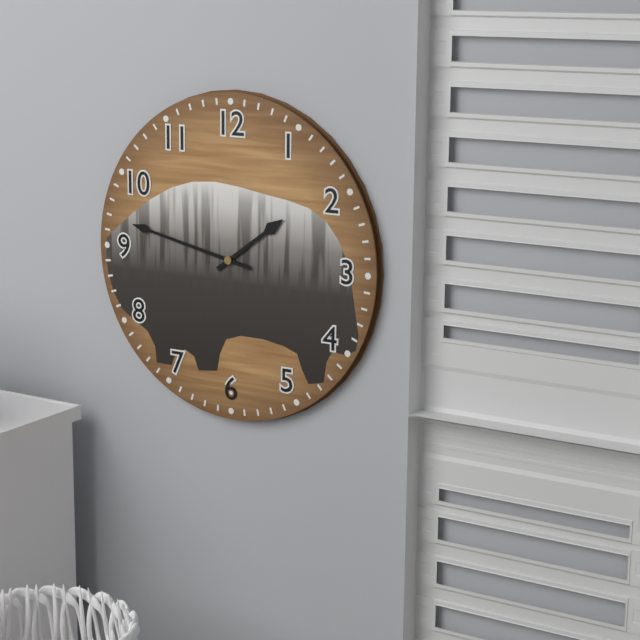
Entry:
**1:47**
